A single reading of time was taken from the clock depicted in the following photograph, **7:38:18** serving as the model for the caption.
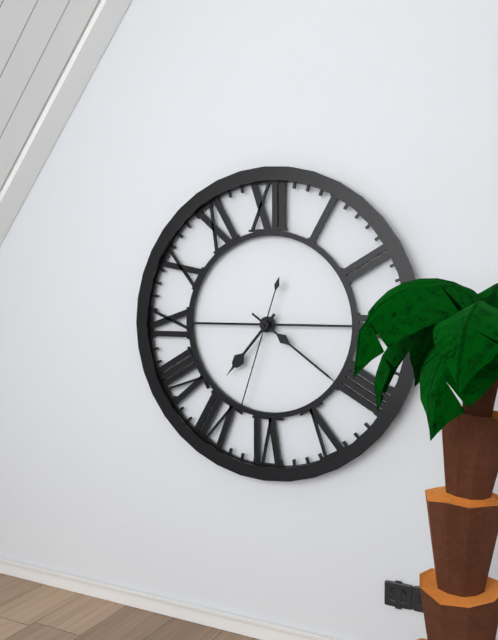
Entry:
**7:21:33**
